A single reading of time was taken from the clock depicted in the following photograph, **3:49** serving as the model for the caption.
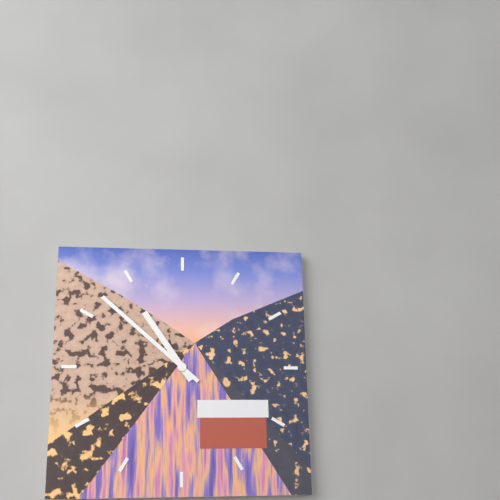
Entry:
**10:52**
